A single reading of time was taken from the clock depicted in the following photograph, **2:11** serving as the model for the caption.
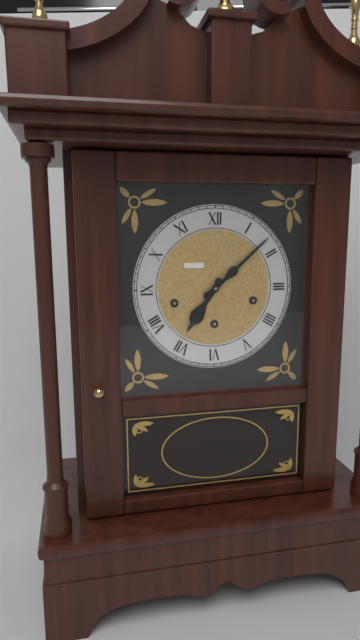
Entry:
**7:08**
